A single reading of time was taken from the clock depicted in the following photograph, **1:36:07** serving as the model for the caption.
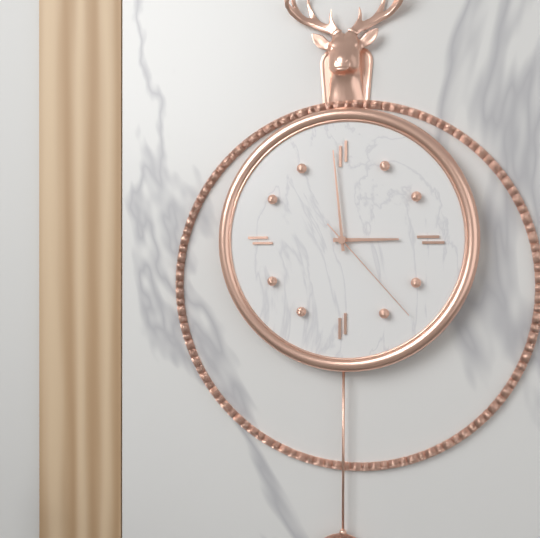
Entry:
**2:59:23**
